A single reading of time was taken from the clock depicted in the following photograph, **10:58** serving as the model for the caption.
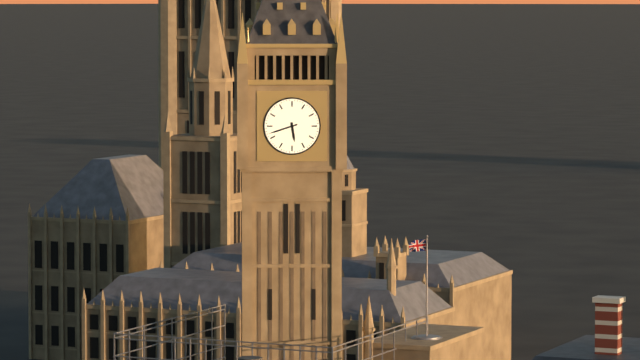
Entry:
**5:42**
